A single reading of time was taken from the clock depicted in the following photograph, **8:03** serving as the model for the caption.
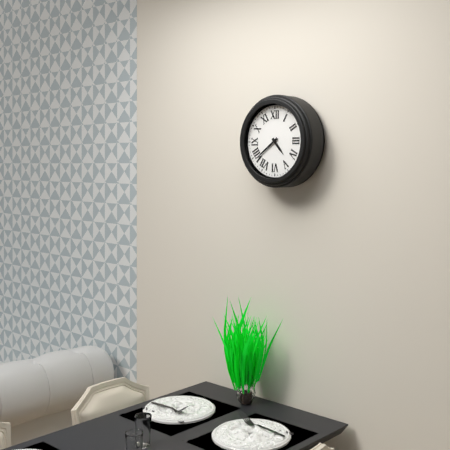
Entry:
**4:39**
